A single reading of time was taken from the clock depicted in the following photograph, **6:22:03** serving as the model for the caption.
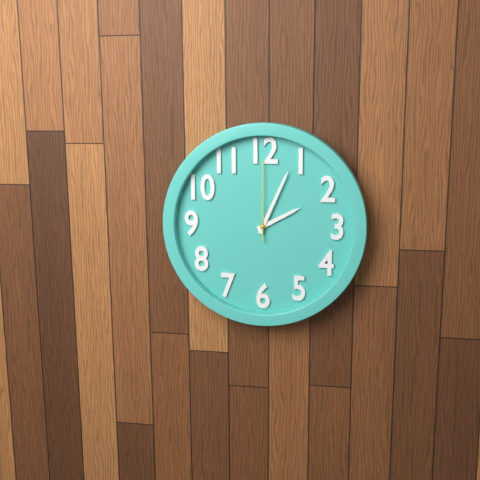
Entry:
**2:04:00**
